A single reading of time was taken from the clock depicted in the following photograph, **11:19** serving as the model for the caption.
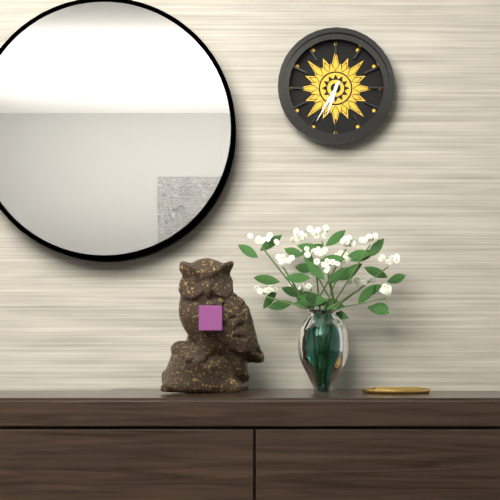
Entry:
**6:35**
